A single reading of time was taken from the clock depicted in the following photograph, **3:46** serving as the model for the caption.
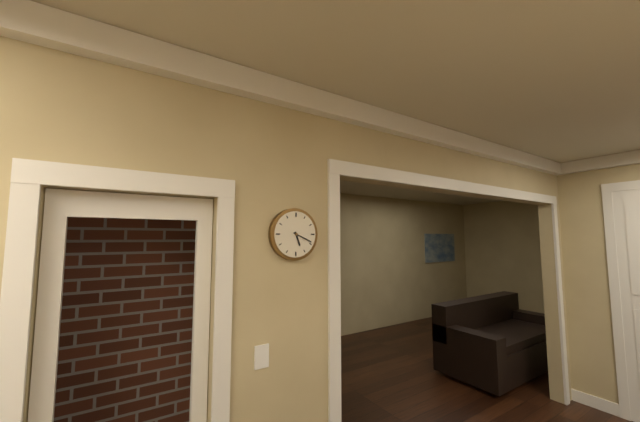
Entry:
**5:19**
